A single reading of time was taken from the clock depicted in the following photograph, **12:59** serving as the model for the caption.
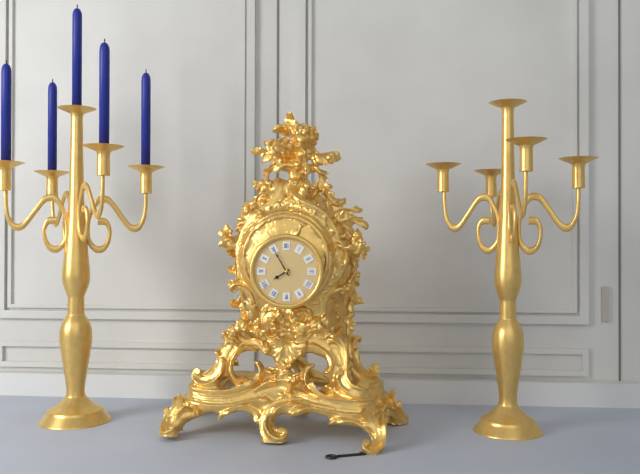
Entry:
**7:55**
